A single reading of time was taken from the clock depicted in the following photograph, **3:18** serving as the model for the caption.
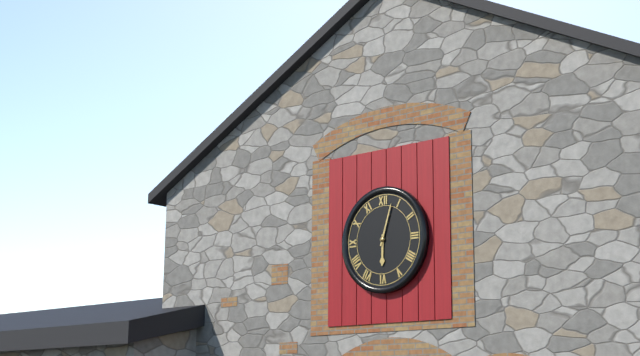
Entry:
**6:03**
